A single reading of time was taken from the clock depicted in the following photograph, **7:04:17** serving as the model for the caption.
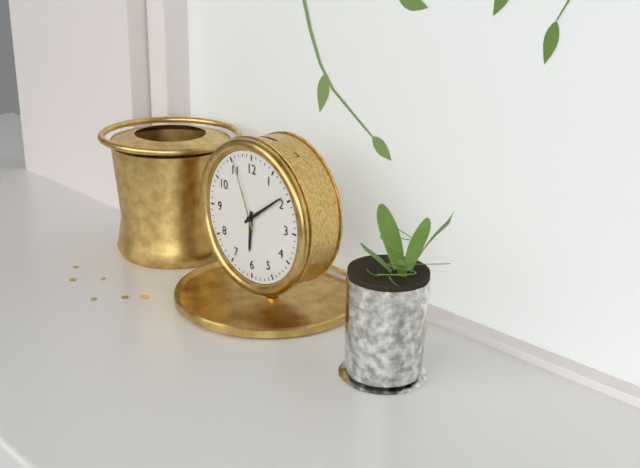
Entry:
**6:09:56**
